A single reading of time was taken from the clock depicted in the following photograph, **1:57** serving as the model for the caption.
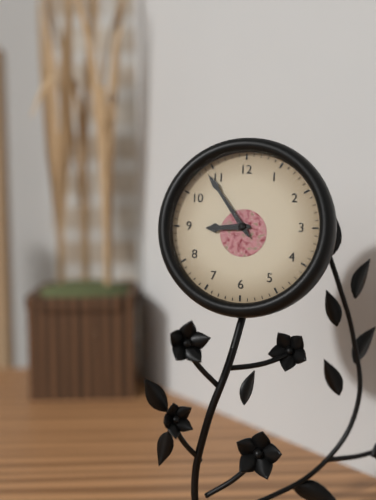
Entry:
**8:54**
